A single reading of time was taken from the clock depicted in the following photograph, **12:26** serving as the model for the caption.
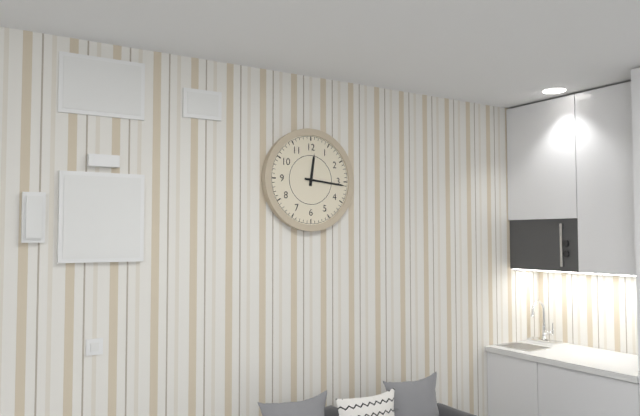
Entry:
**12:16**
